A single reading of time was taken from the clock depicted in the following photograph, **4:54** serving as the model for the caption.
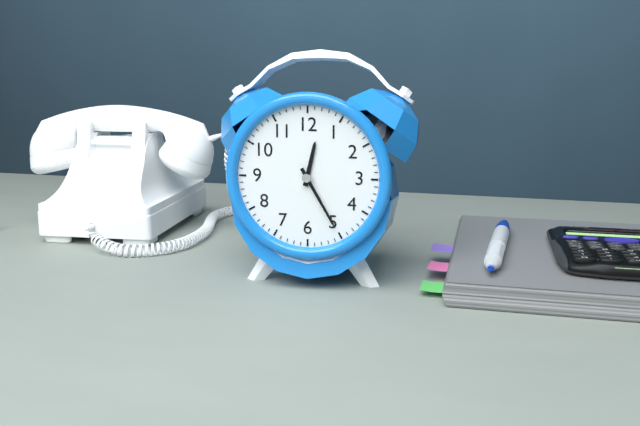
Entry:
**12:25**
